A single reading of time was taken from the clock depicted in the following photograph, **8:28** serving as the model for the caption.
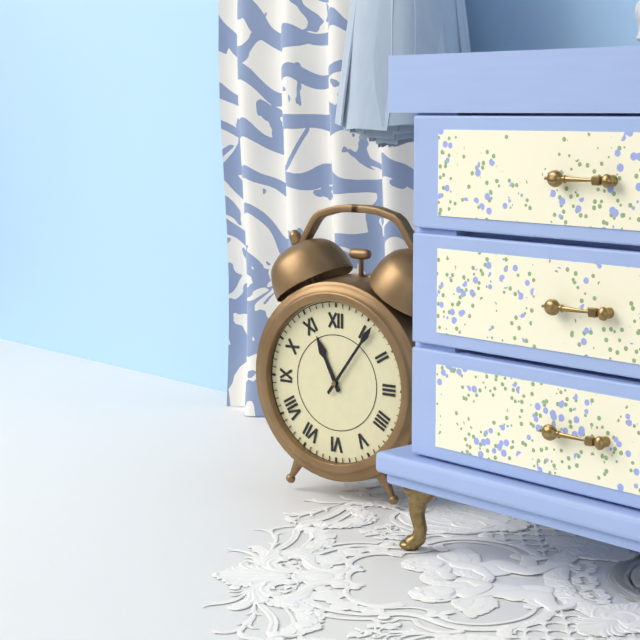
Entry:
**11:06**
